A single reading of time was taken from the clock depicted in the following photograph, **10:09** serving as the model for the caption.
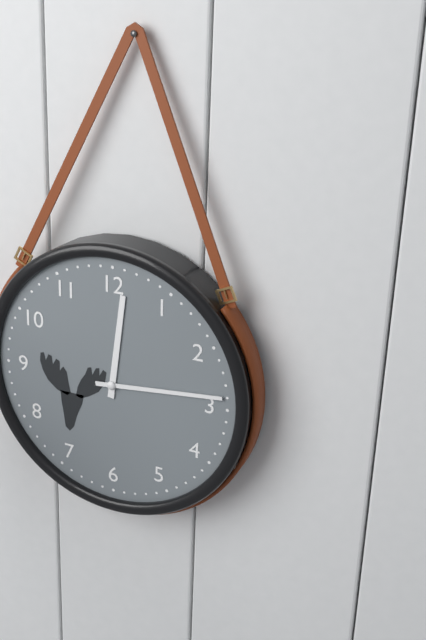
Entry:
**12:14**
